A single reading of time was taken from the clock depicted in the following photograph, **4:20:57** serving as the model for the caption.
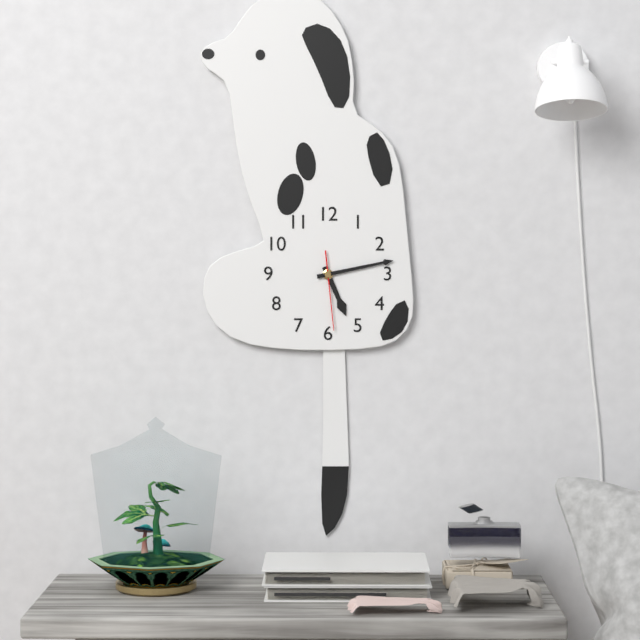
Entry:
**5:13:29**
